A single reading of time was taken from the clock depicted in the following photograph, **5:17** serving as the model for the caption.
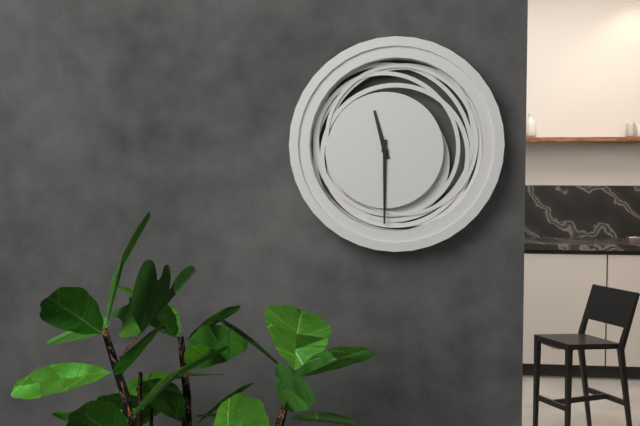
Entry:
**11:30**
